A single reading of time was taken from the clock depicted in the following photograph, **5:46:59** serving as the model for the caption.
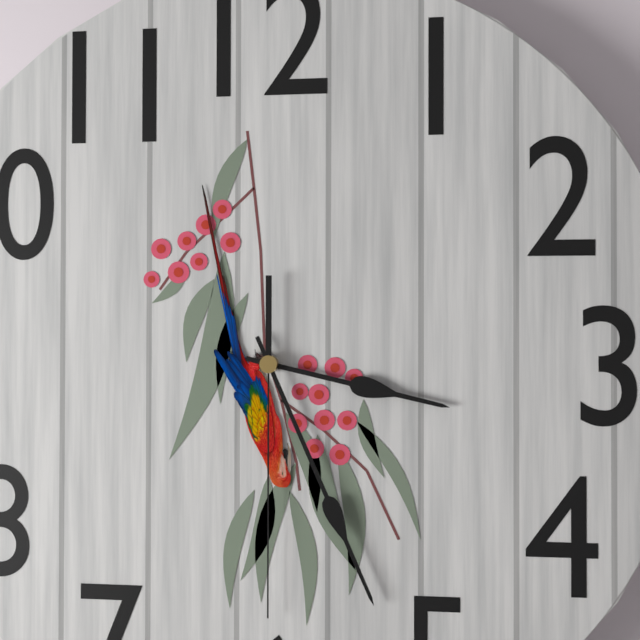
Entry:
**3:26:30**
